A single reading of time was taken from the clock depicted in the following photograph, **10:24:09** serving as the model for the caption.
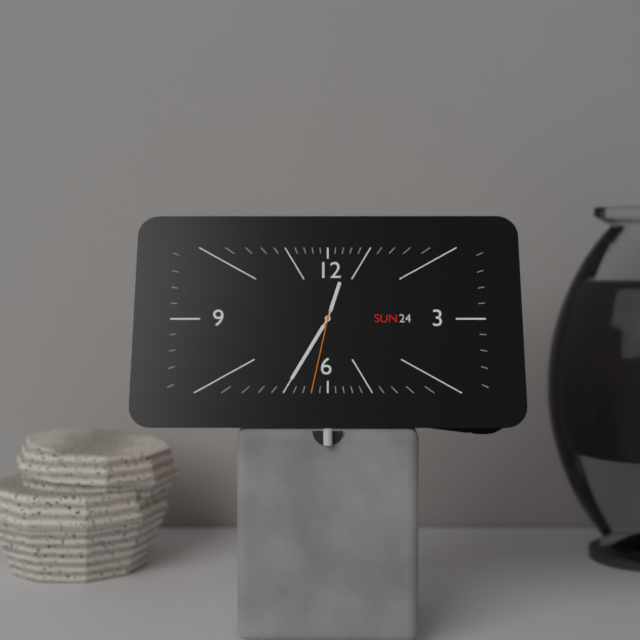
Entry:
**12:35:32**
